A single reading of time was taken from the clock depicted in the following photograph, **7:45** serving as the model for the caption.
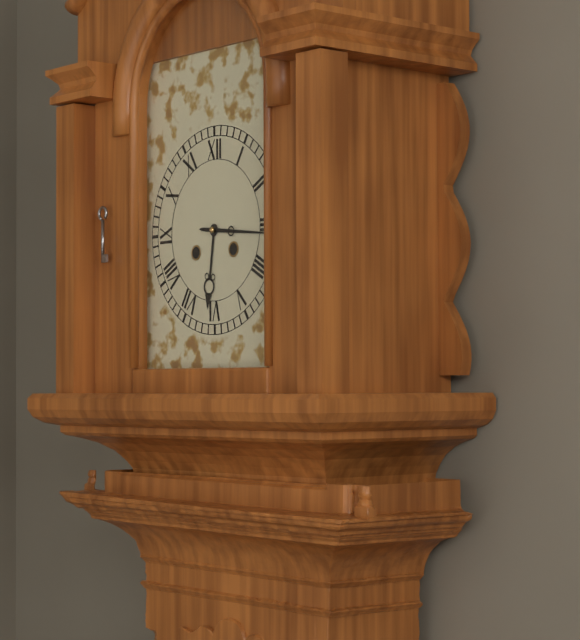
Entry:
**6:16**
